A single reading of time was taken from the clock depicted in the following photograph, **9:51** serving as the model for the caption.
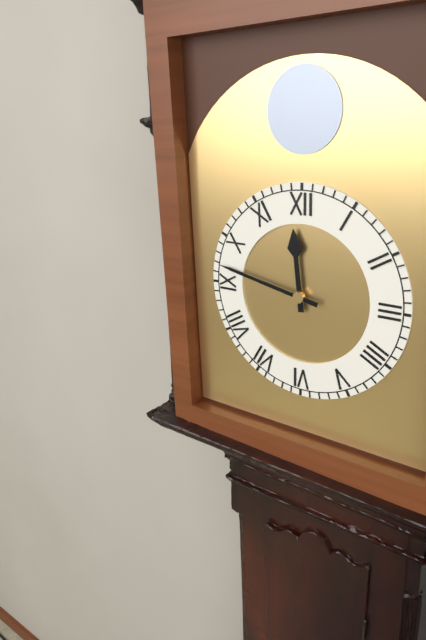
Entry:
**11:47**
